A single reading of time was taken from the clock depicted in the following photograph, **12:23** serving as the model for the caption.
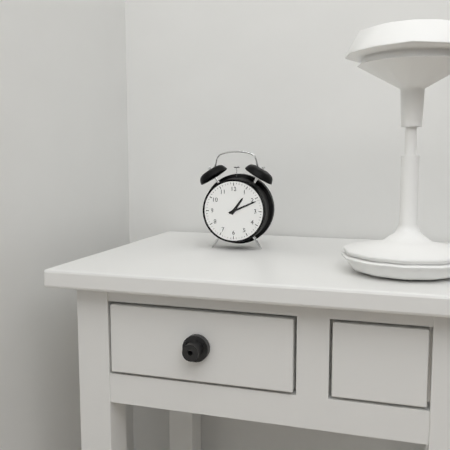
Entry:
**1:11**
